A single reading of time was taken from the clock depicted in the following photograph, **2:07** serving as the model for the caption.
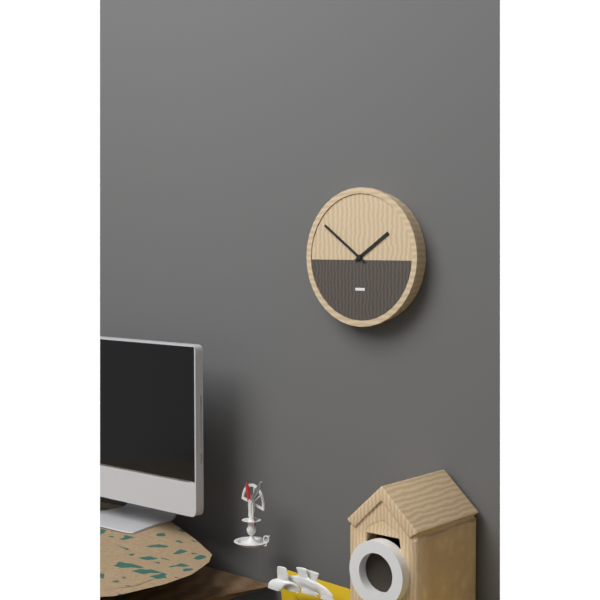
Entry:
**1:51**
